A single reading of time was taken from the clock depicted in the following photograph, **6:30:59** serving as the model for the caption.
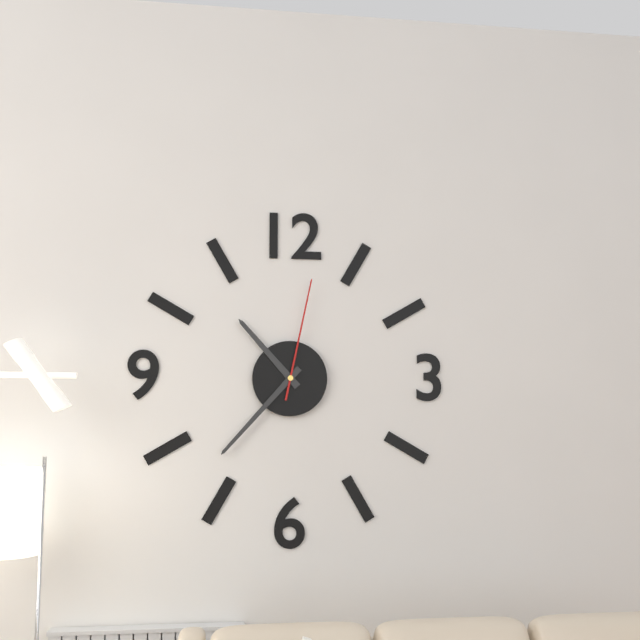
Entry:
**10:37:02**
